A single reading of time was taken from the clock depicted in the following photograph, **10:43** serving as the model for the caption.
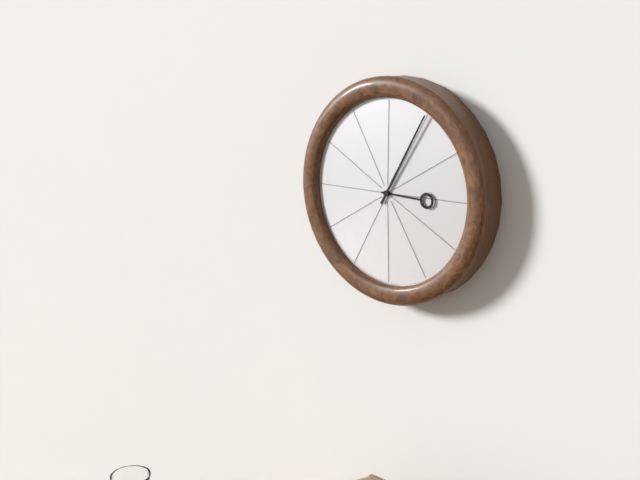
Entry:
**3:05**
